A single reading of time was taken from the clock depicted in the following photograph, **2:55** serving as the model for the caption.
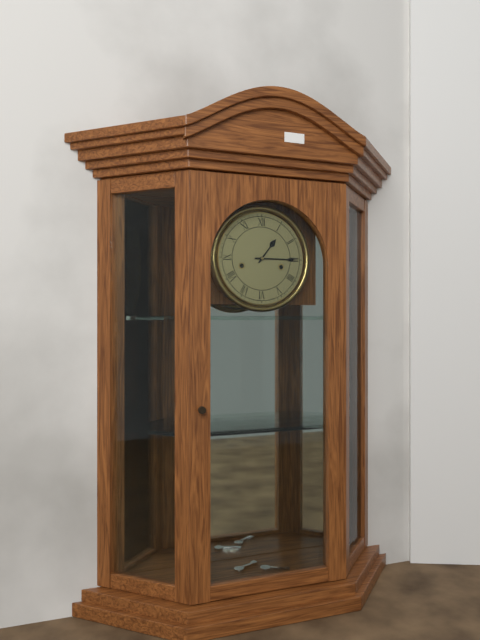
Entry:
**1:15**
